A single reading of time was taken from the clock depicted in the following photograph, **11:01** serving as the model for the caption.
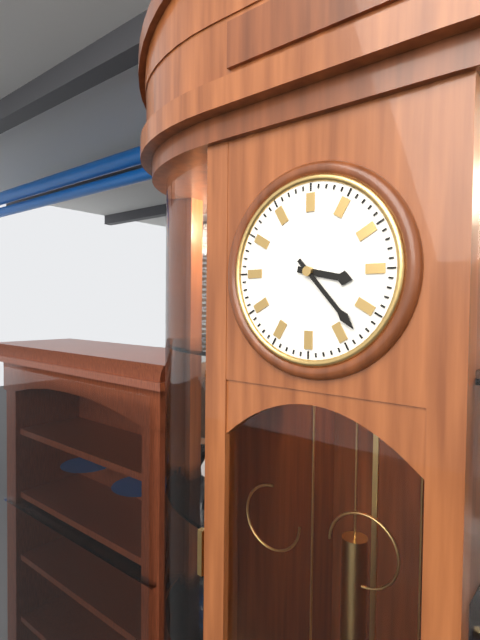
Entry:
**3:23**
